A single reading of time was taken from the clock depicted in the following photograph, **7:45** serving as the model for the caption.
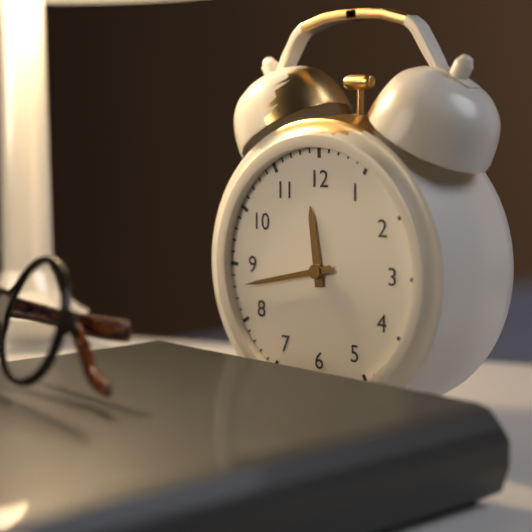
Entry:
**11:43**
